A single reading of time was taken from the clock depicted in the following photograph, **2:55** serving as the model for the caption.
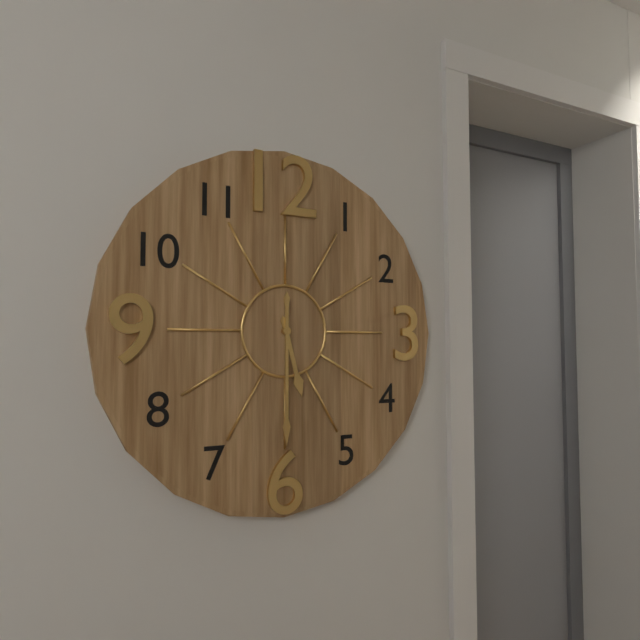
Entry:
**5:30**
